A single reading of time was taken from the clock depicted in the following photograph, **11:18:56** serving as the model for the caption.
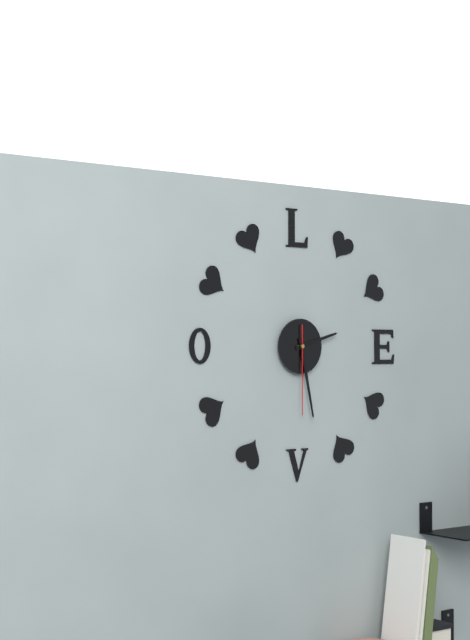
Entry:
**2:28:30**
